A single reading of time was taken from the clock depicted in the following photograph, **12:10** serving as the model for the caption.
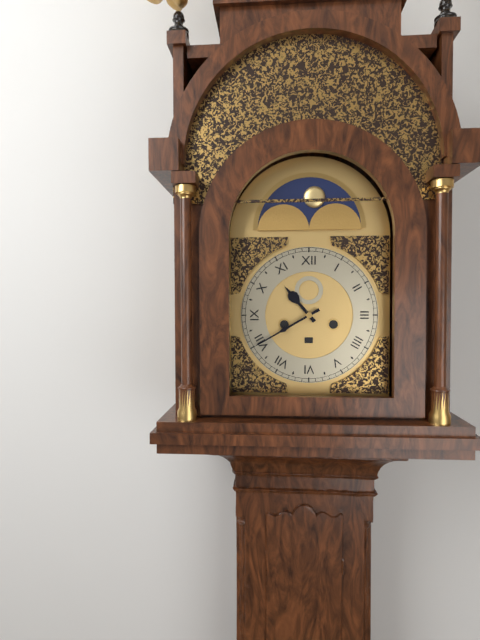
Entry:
**10:40**
